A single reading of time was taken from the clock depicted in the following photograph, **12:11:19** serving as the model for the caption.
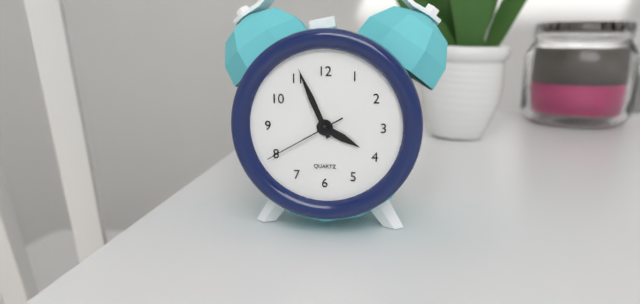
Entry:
**3:56:40**
